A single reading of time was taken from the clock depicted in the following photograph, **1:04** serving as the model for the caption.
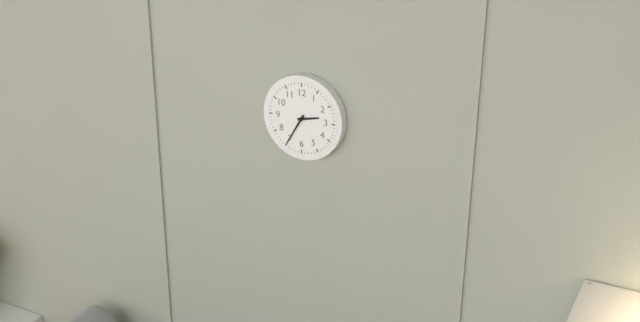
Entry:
**2:35**
